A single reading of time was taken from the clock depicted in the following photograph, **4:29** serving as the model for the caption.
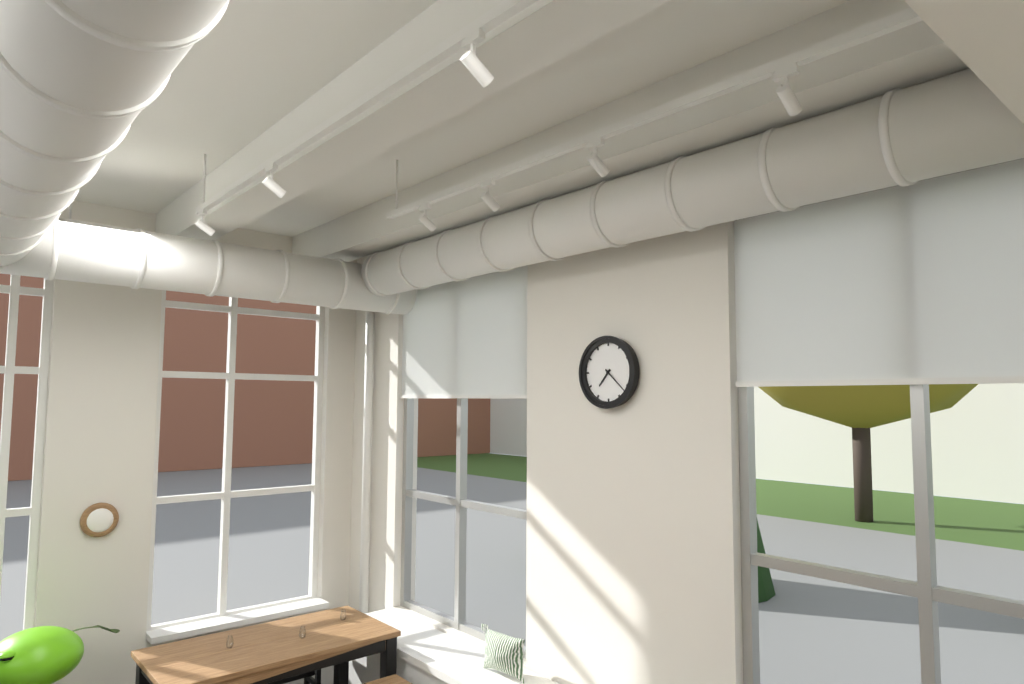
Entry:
**7:22**
